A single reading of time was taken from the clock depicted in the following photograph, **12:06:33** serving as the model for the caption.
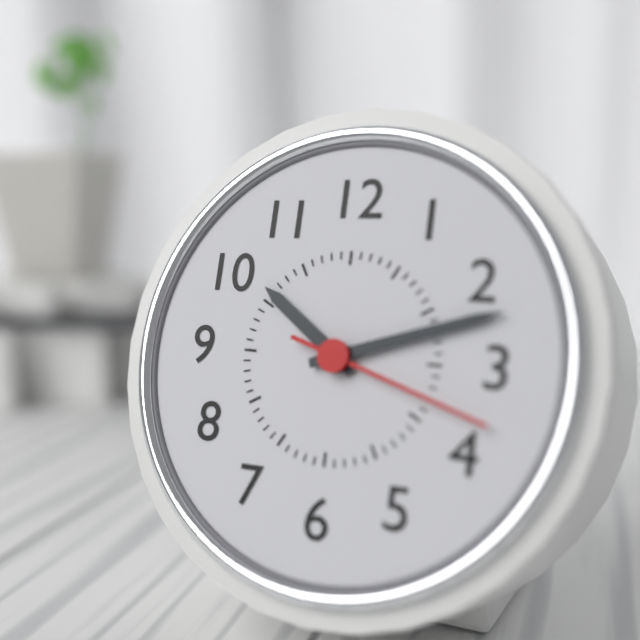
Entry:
**10:12:18**
